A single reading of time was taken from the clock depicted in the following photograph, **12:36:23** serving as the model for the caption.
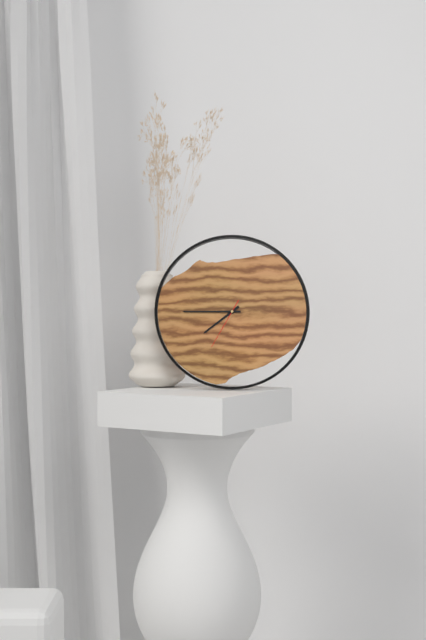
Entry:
**7:45:35**
